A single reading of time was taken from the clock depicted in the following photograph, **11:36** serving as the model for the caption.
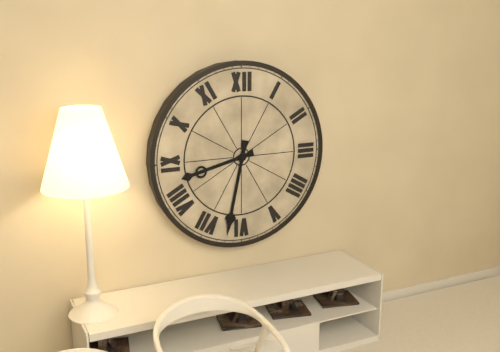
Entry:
**8:32**
